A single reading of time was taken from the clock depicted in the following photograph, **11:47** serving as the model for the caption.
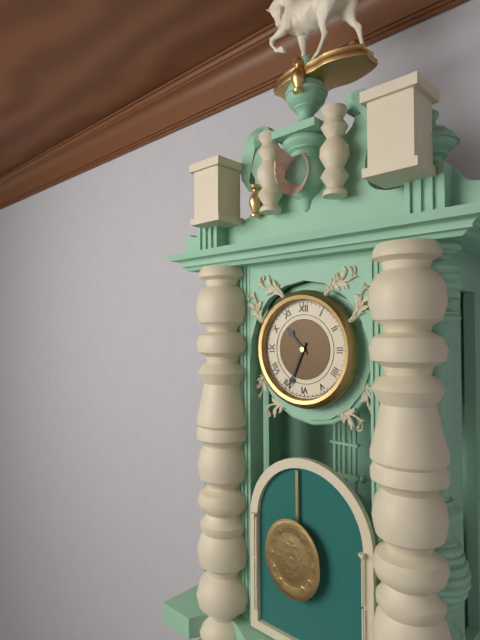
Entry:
**10:34**
